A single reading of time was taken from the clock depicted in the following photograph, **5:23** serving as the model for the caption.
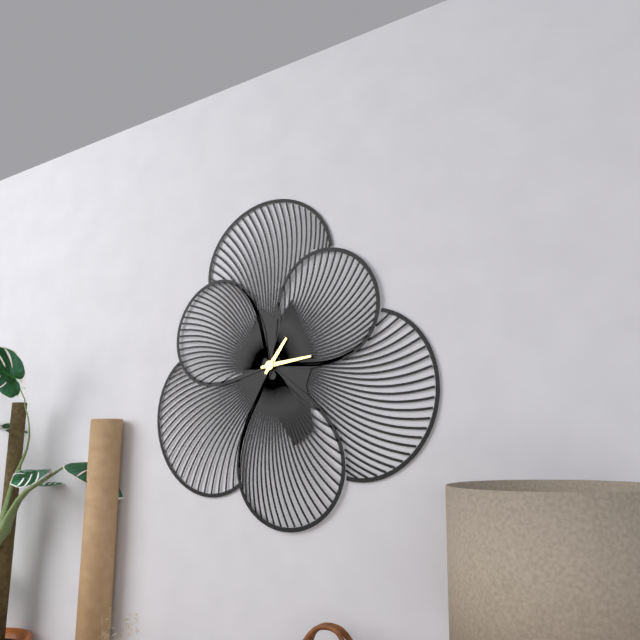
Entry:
**1:14**
